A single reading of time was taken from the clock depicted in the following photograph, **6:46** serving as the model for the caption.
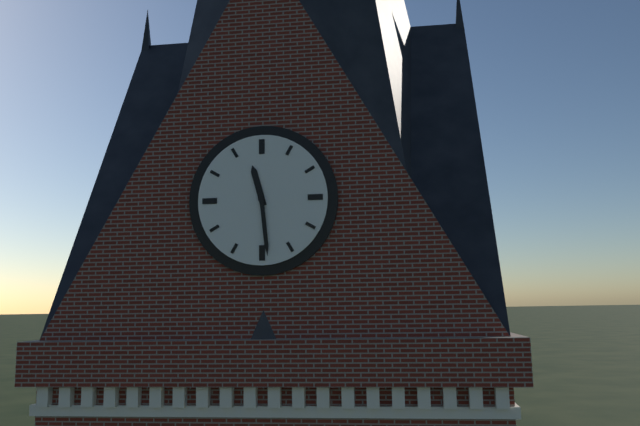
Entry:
**11:29**
